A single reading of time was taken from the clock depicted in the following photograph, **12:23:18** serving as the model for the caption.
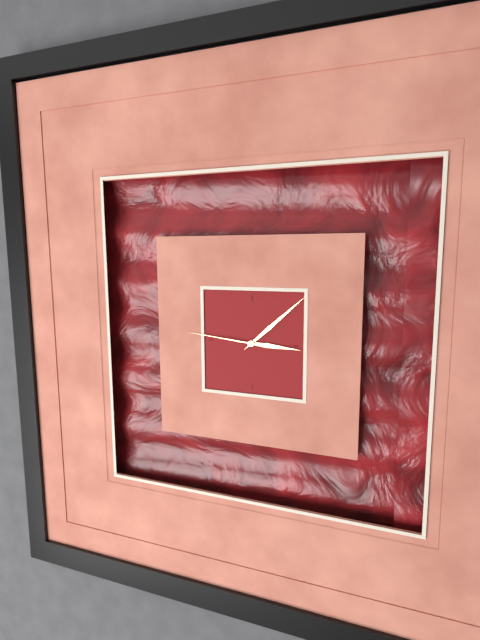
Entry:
**3:08:46**
